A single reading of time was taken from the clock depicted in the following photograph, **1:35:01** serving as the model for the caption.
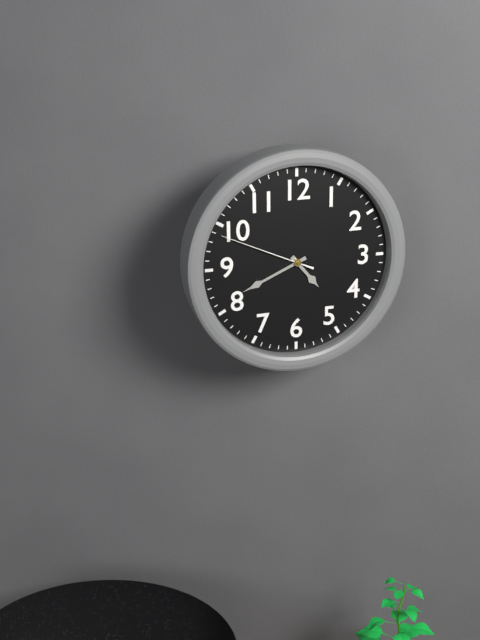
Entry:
**4:41:49**
